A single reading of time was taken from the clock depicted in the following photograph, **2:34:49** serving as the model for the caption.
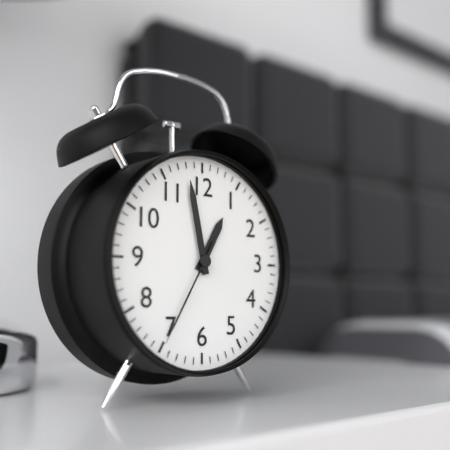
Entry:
**12:58:35**
